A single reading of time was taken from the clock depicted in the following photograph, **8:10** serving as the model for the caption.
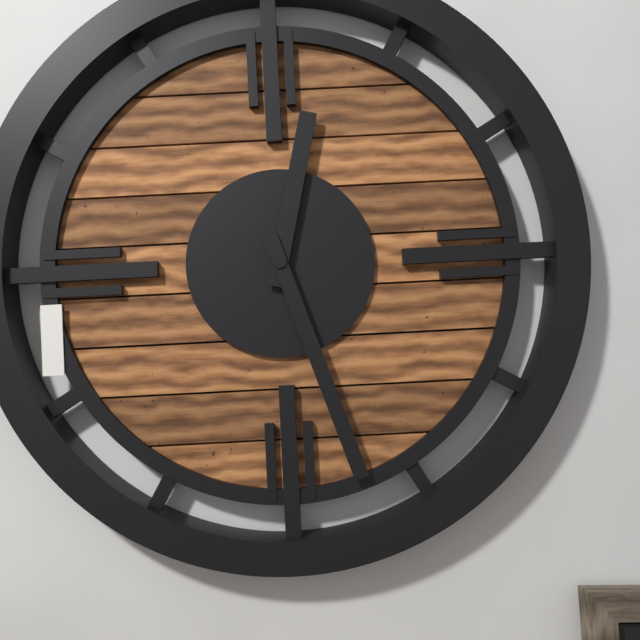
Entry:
**12:27**
